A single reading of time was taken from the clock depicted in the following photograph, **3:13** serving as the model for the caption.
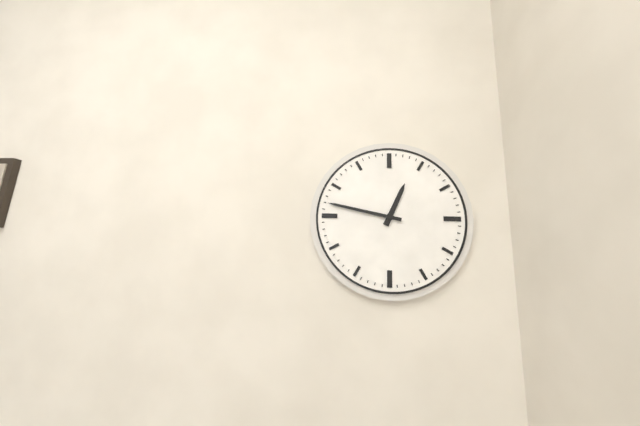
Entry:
**12:47**
